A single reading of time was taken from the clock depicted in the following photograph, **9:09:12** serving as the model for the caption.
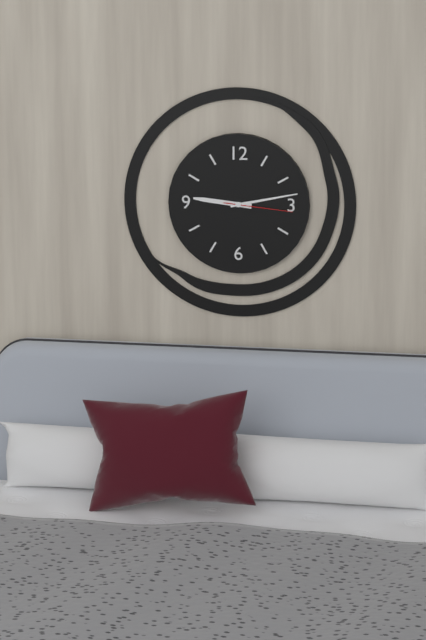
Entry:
**9:13:16**
